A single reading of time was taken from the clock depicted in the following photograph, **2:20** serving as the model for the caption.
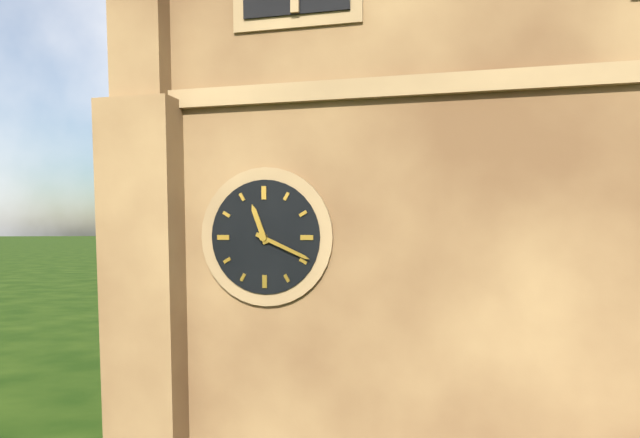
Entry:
**11:19**
